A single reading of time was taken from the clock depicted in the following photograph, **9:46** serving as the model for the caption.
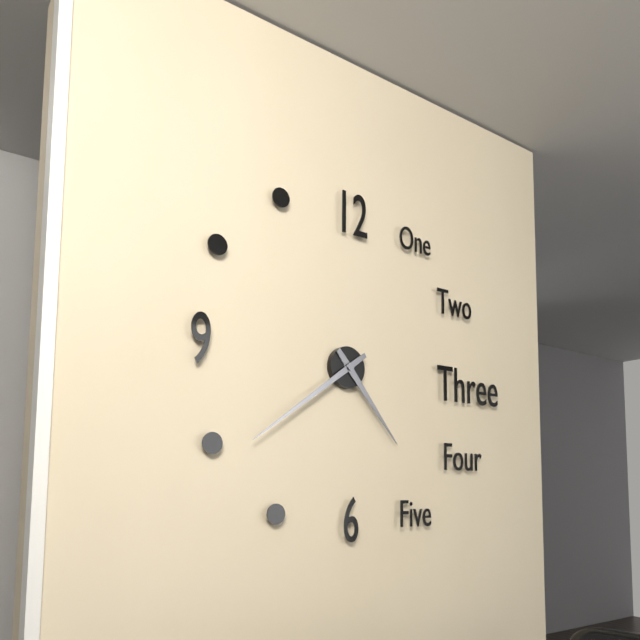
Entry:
**4:39**
